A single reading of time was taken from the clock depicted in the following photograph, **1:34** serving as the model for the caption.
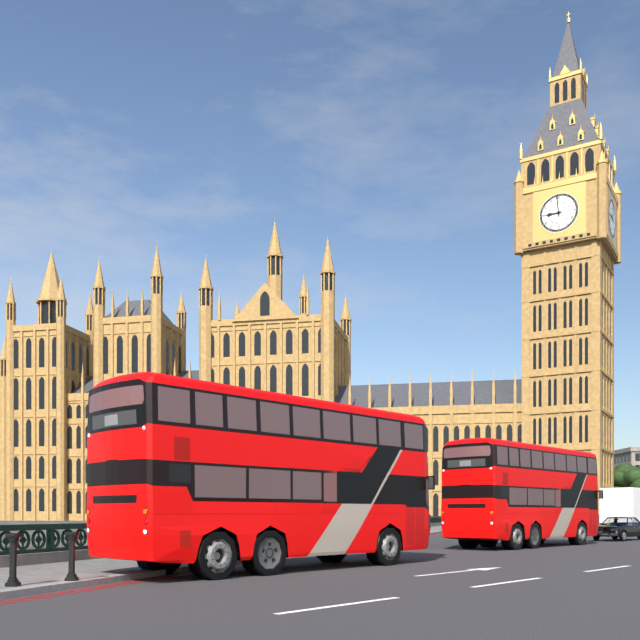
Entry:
**8:59**
